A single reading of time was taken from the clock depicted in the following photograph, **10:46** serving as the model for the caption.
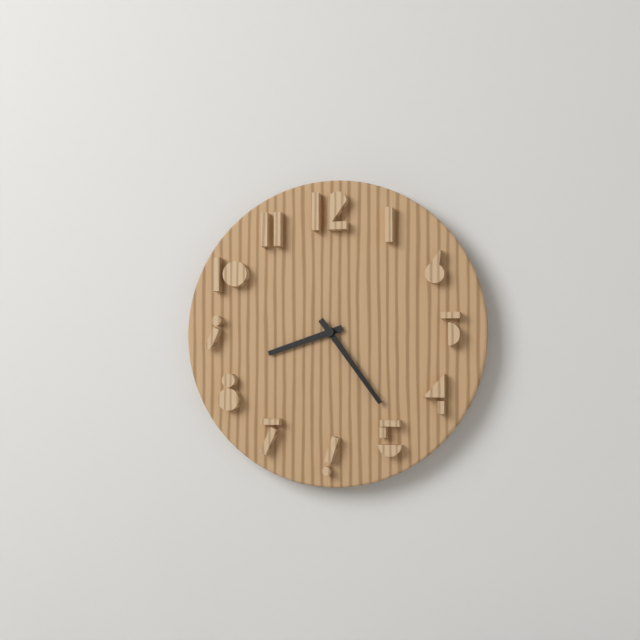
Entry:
**8:24**
